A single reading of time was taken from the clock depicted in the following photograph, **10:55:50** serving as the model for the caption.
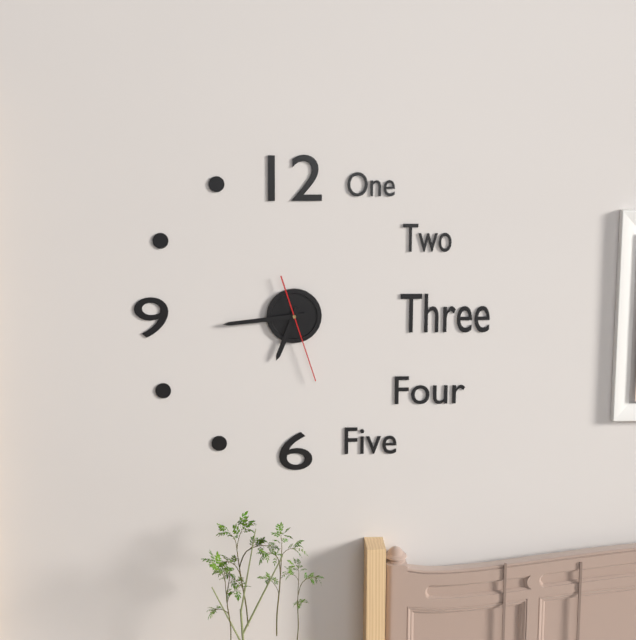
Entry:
**6:44:27**
